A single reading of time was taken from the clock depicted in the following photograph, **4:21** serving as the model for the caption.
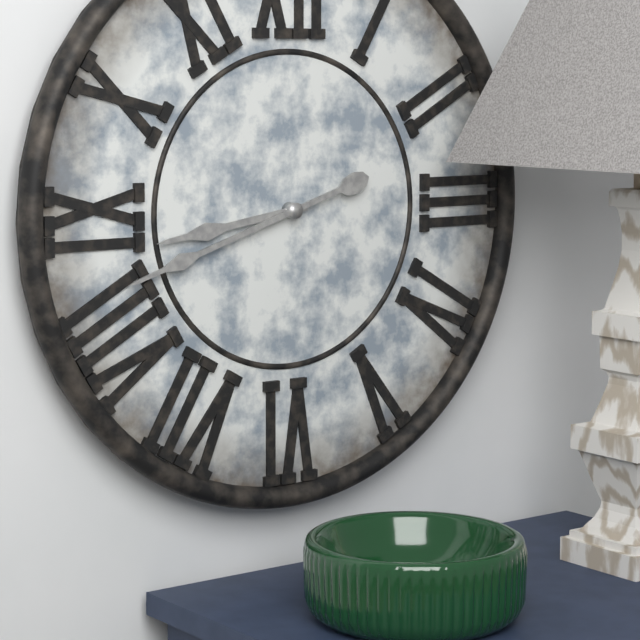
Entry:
**8:42**
